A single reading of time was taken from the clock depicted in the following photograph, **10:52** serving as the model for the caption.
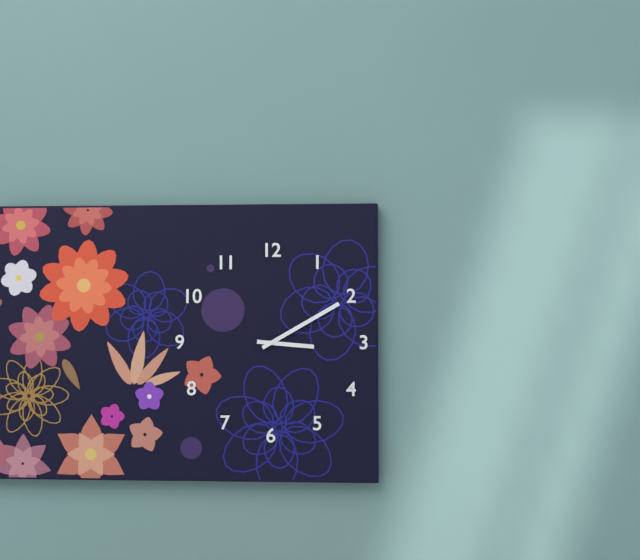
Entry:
**3:10**
